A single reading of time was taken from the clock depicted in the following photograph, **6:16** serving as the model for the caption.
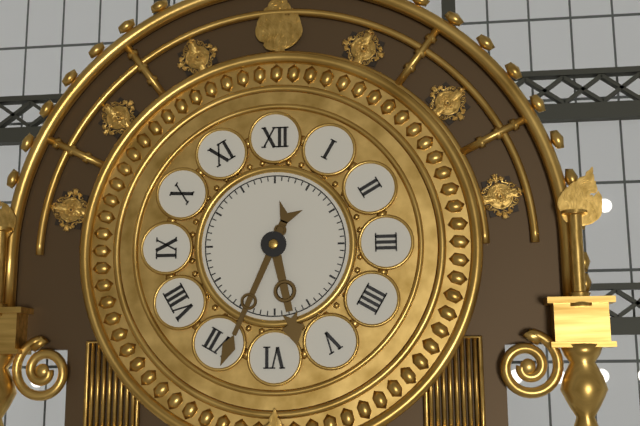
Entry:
**5:34**
